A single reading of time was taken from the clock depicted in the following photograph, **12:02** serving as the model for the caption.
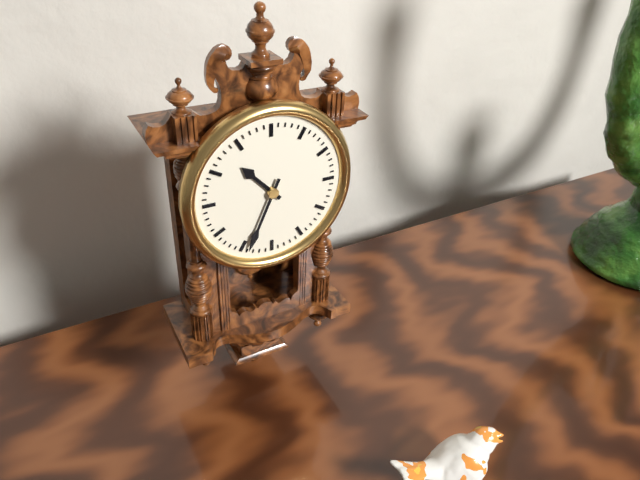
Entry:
**10:34**
